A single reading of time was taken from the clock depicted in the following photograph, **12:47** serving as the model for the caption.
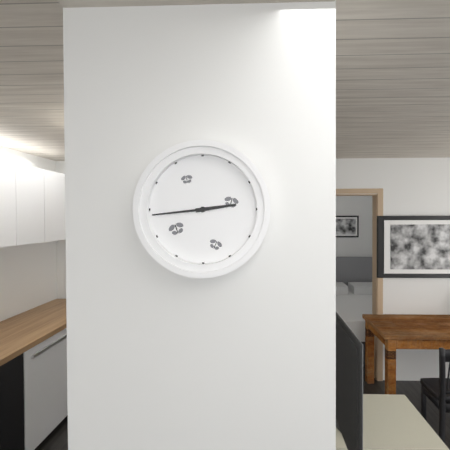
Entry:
**2:44**
